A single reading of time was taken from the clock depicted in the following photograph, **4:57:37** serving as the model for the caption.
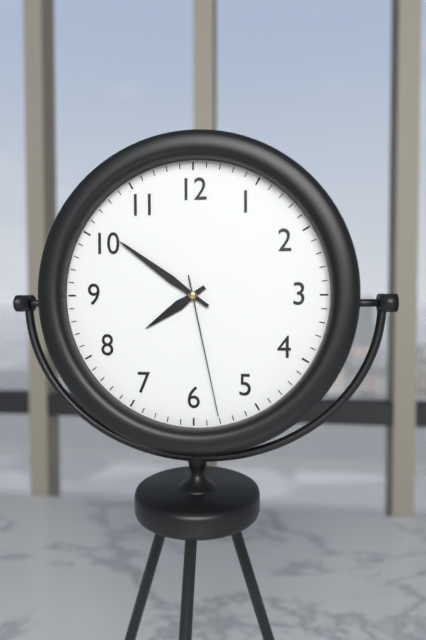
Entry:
**7:51:28**
